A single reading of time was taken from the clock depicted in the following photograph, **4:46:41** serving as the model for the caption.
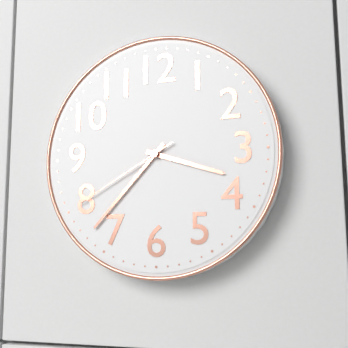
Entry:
**3:37:40**
